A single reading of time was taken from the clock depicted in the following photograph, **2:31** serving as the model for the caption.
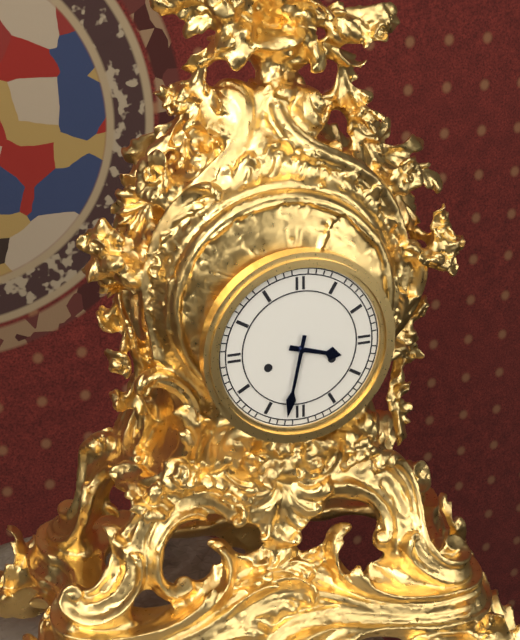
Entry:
**3:32**
